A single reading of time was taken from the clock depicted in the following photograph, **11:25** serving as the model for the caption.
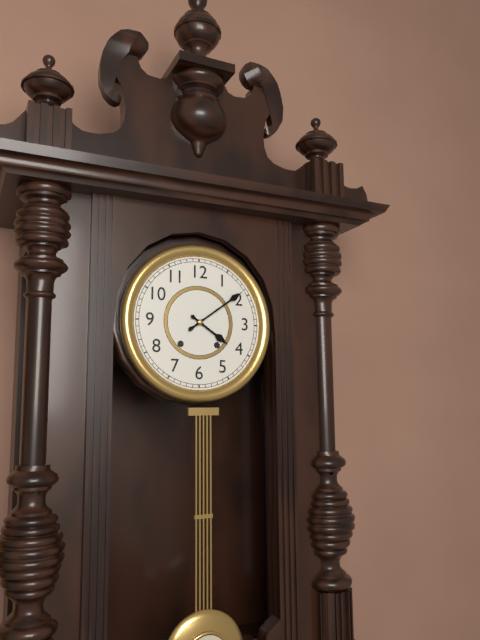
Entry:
**4:09**
